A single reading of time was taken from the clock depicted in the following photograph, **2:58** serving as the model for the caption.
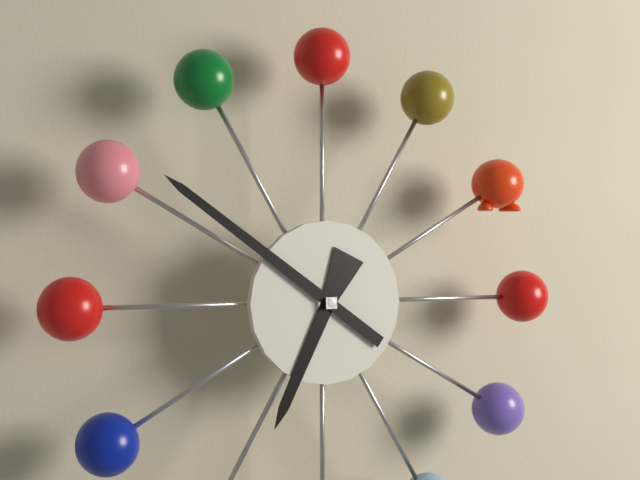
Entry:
**6:51**
